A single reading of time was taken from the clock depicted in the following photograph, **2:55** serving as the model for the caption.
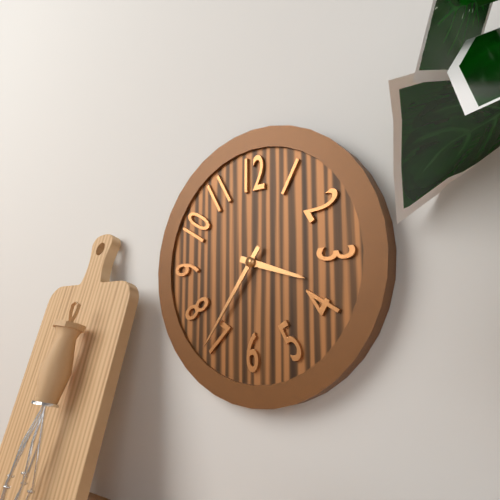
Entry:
**3:36**
